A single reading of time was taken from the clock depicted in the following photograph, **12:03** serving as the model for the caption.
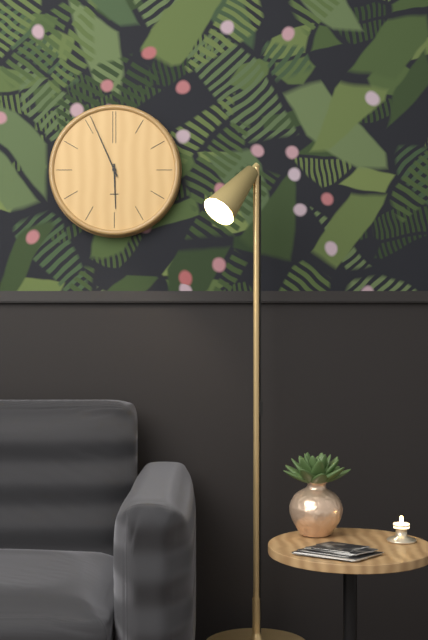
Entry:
**5:56**
